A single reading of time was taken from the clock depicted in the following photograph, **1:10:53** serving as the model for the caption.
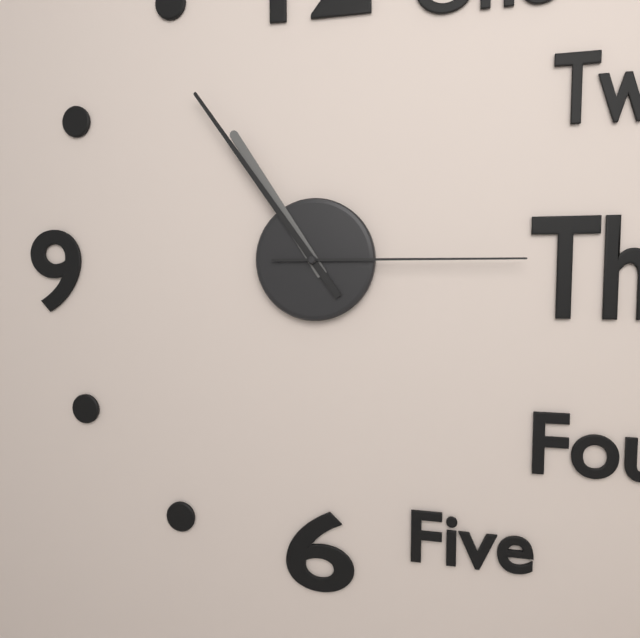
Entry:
**10:54:15**
